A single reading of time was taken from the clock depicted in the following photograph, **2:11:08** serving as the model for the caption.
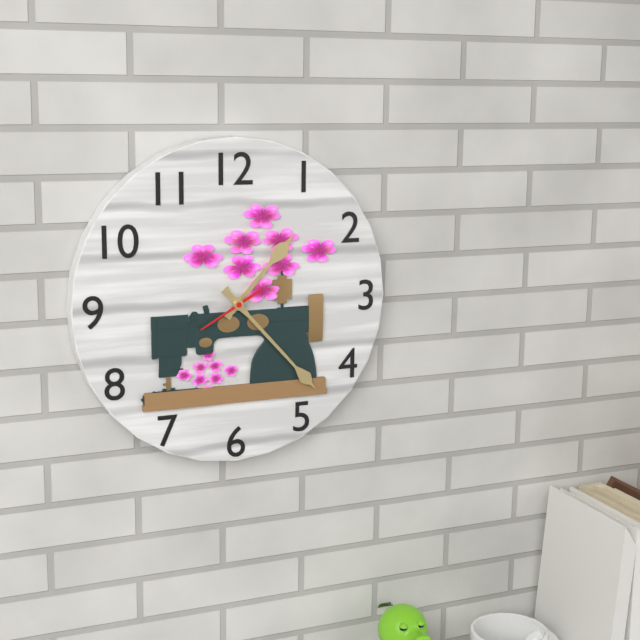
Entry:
**1:23:40**
